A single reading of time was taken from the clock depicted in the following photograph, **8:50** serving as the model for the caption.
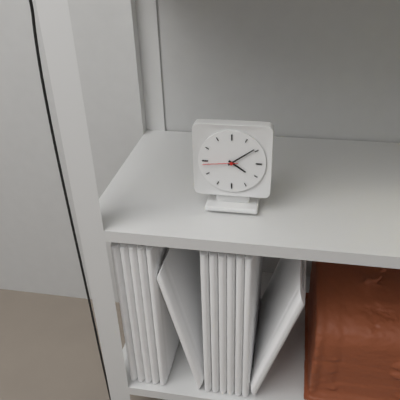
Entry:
**4:09**
